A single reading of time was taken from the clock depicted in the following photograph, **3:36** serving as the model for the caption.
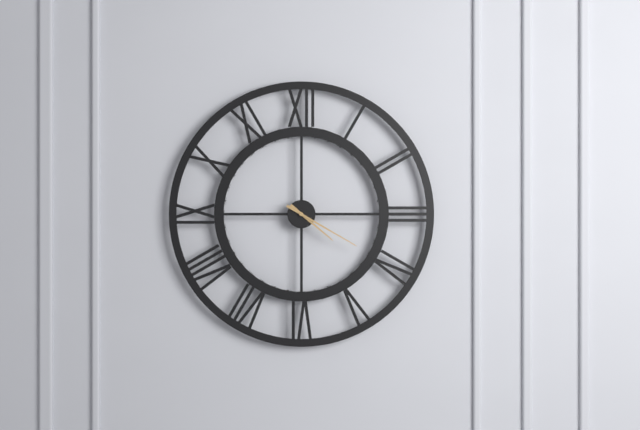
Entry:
**4:20**
